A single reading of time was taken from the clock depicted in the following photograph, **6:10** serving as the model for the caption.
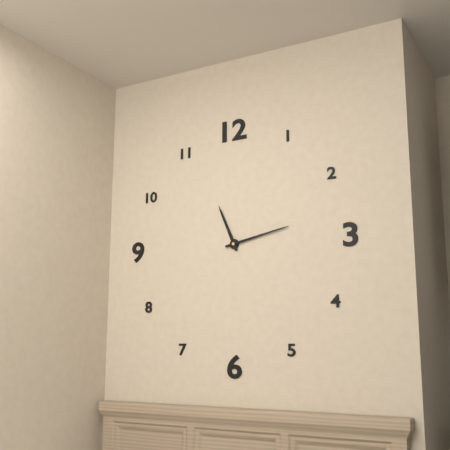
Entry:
**11:13**
